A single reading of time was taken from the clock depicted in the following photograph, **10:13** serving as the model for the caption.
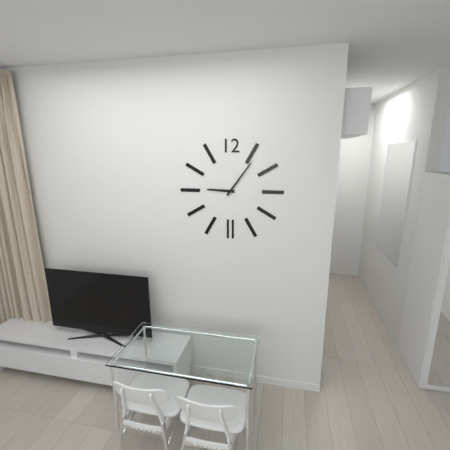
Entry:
**9:06**
